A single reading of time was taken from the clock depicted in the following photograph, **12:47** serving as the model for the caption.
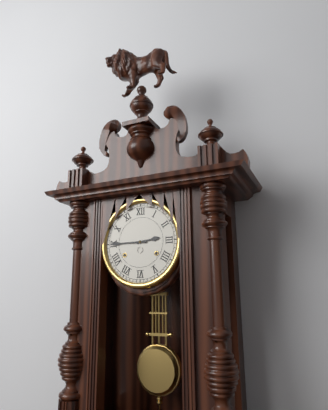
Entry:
**2:45**
